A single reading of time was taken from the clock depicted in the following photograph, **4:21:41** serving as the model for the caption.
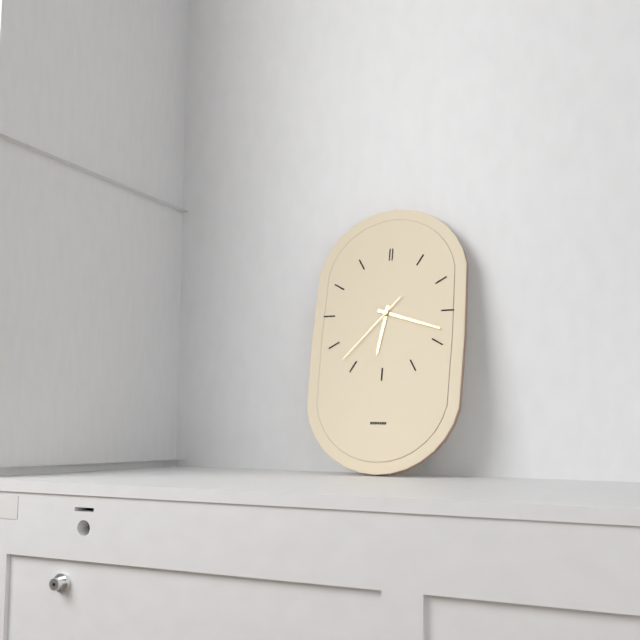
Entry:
**6:18:37**
